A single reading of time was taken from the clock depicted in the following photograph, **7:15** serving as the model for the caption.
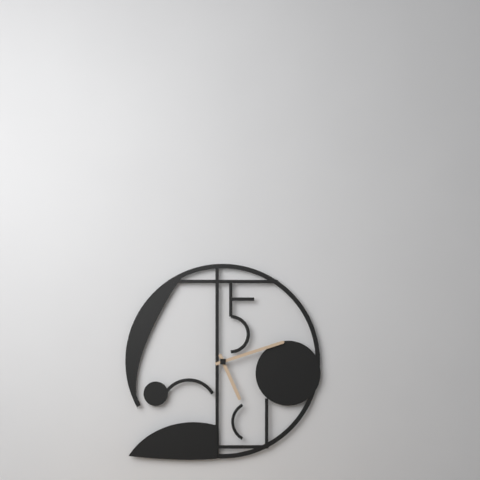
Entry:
**5:12**
